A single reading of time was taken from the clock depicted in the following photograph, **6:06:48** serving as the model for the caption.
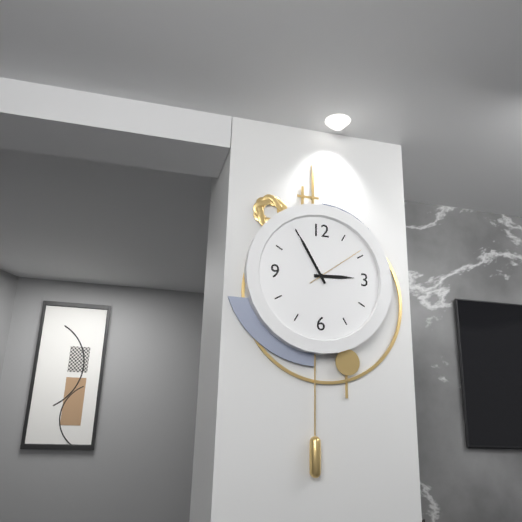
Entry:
**2:55:09**
